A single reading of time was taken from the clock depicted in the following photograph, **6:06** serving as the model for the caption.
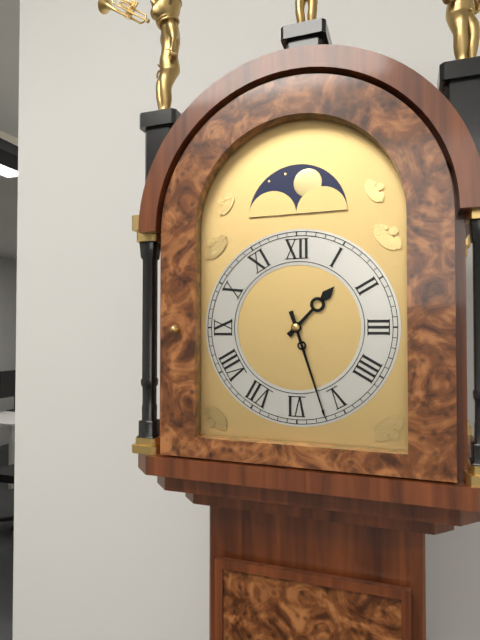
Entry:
**1:27**
